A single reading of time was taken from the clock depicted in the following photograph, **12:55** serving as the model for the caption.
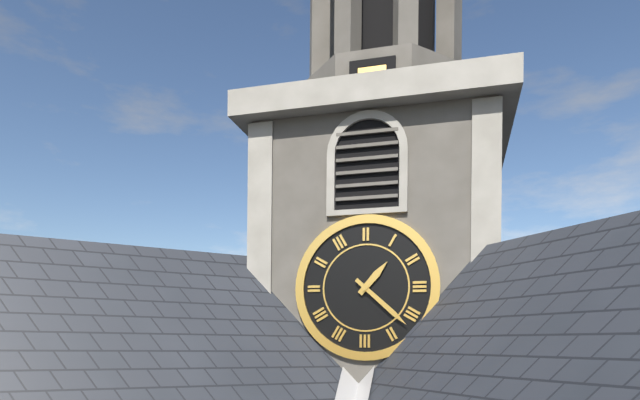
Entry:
**1:22**
